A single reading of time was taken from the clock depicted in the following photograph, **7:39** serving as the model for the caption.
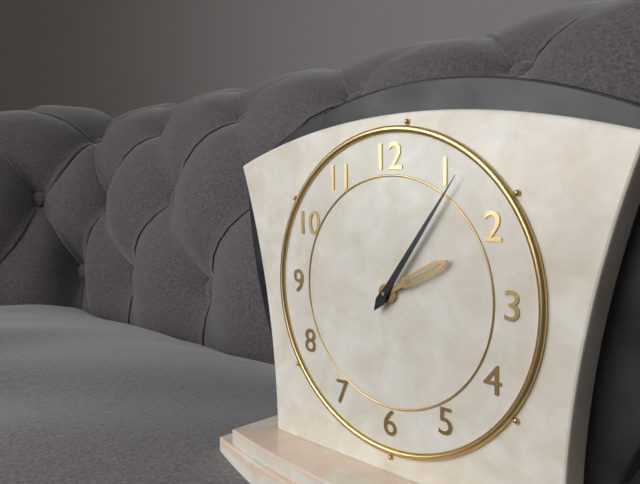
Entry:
**2:06**
